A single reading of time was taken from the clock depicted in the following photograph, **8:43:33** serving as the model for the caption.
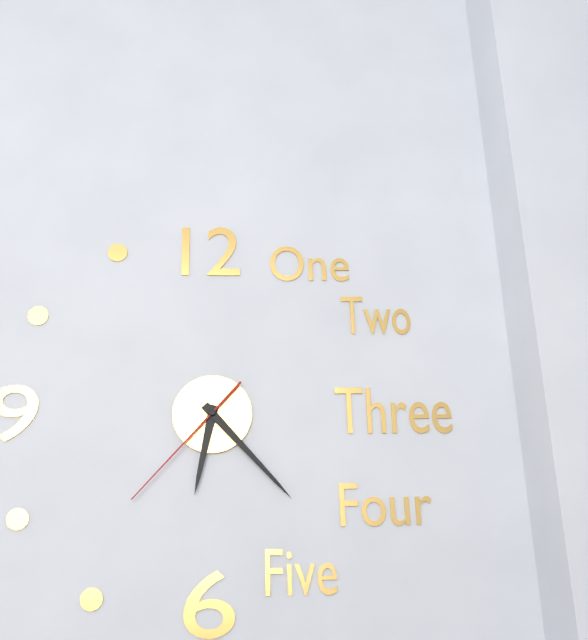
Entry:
**6:23:37**
